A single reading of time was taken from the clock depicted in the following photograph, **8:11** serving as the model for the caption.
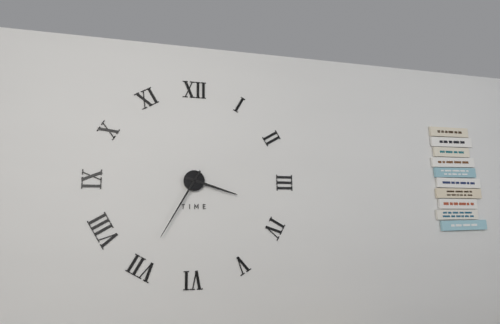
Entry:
**3:35**
